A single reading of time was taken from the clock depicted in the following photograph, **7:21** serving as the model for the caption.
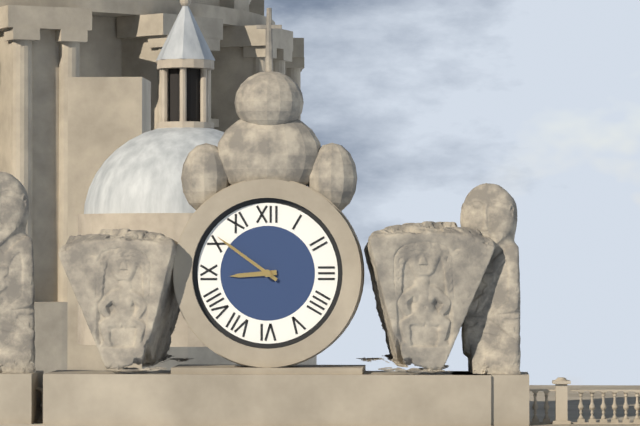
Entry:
**8:51**
